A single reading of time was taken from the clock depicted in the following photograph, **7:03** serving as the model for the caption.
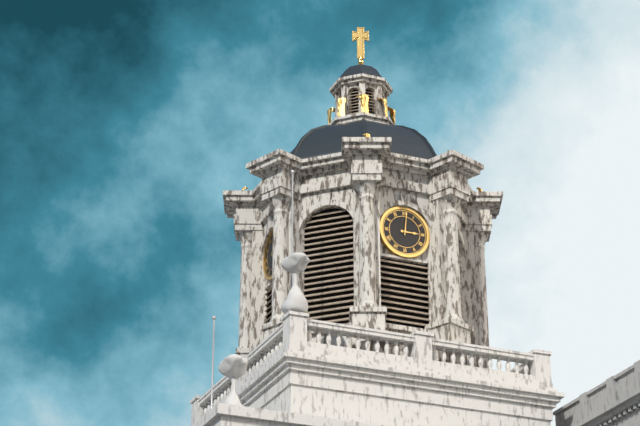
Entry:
**3:01**
